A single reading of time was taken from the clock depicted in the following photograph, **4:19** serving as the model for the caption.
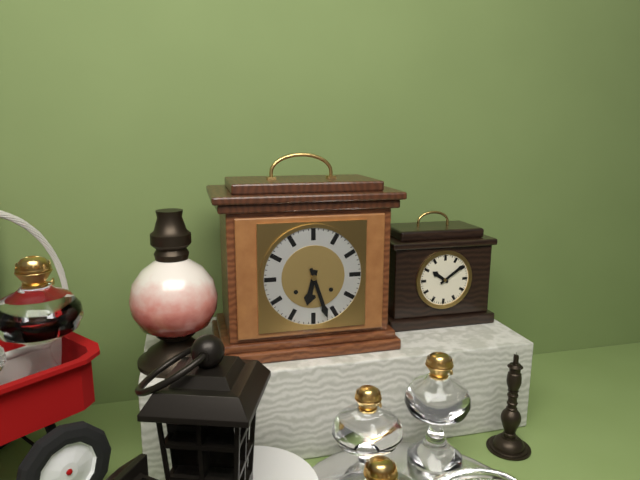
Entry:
**6:27**
